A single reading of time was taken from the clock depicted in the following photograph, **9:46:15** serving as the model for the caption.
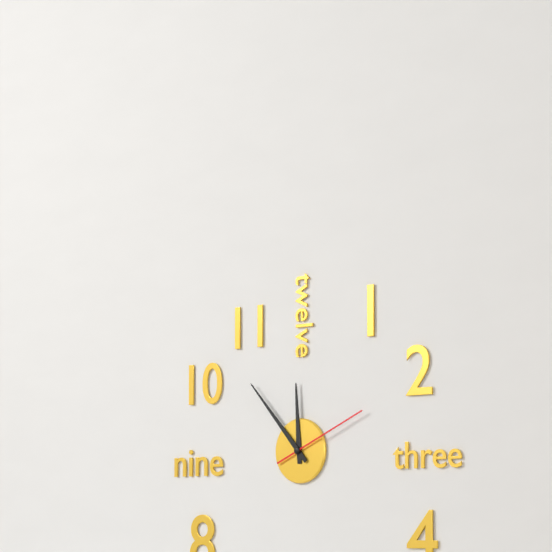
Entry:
**11:53:11**
